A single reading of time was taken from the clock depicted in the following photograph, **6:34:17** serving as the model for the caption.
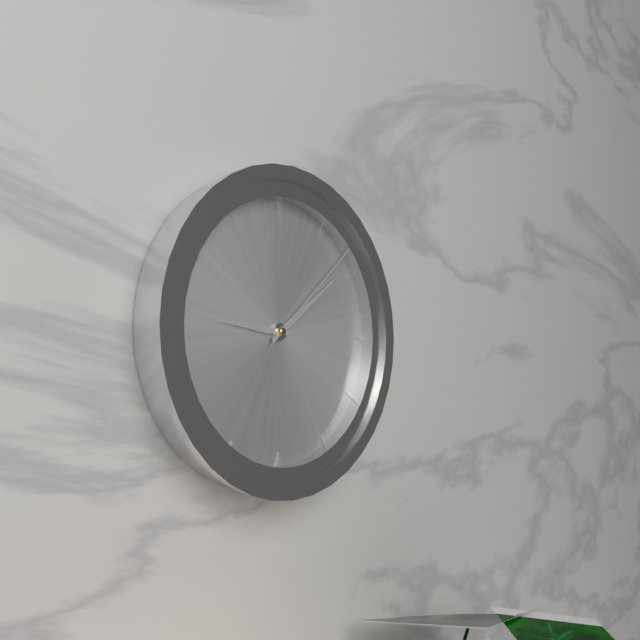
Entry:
**9:09:08**
